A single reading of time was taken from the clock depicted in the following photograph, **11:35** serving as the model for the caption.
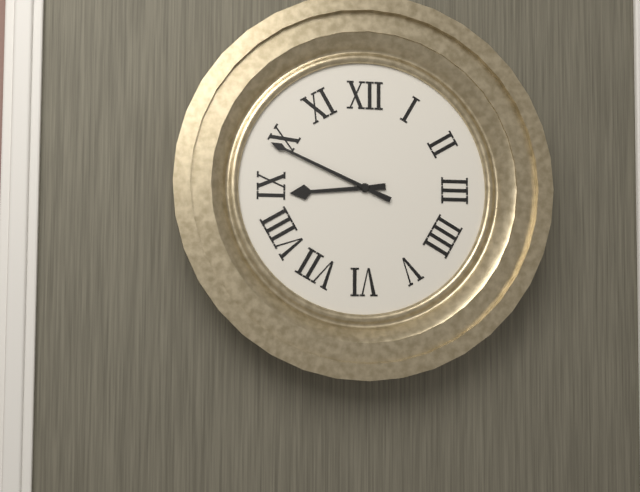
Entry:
**8:49**
